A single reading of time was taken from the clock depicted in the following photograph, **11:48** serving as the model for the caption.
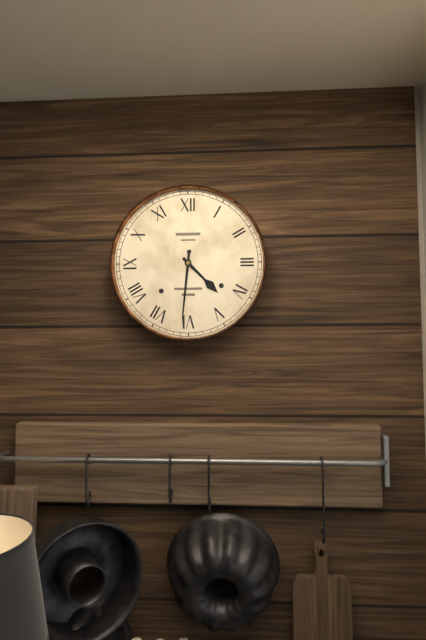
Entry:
**4:31**
